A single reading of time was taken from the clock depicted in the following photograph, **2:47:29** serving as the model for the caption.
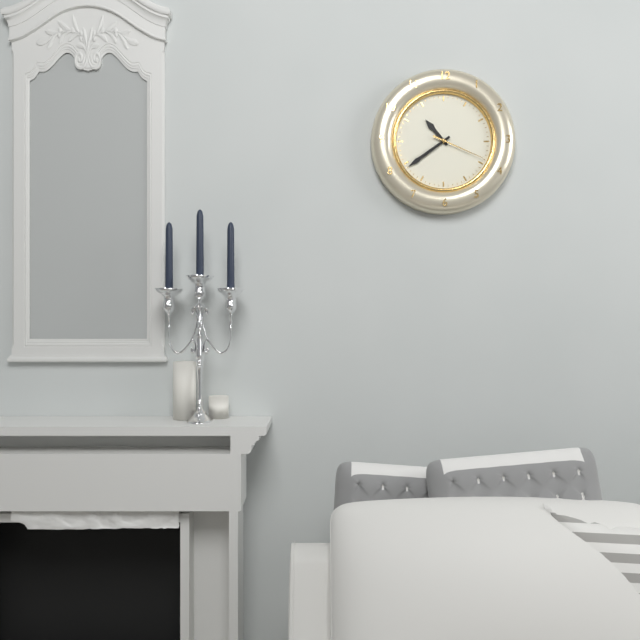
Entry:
**10:39:19**
